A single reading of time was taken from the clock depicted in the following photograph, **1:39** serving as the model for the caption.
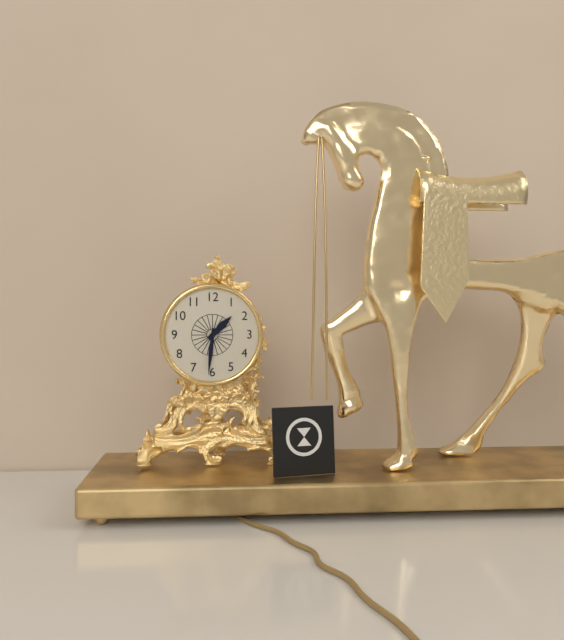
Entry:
**1:31**
